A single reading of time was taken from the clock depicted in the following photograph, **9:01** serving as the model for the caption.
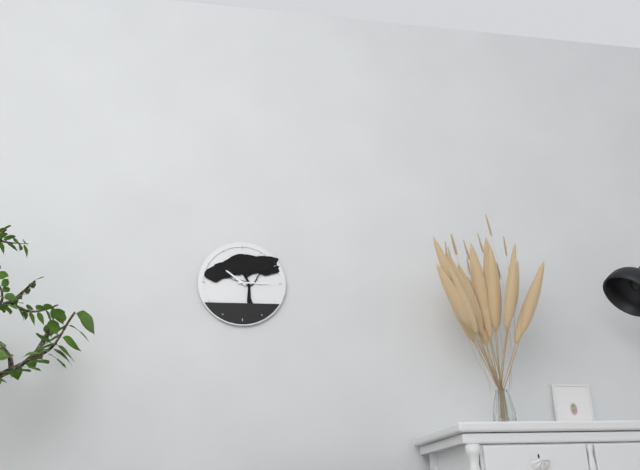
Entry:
**10:15**
